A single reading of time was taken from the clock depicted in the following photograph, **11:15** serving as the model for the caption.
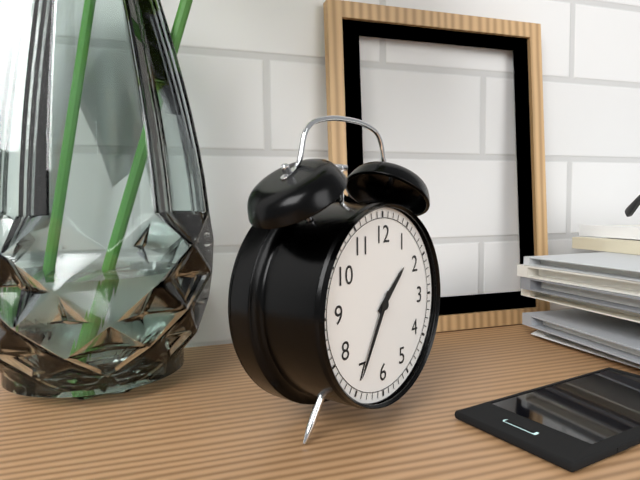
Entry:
**1:35**
